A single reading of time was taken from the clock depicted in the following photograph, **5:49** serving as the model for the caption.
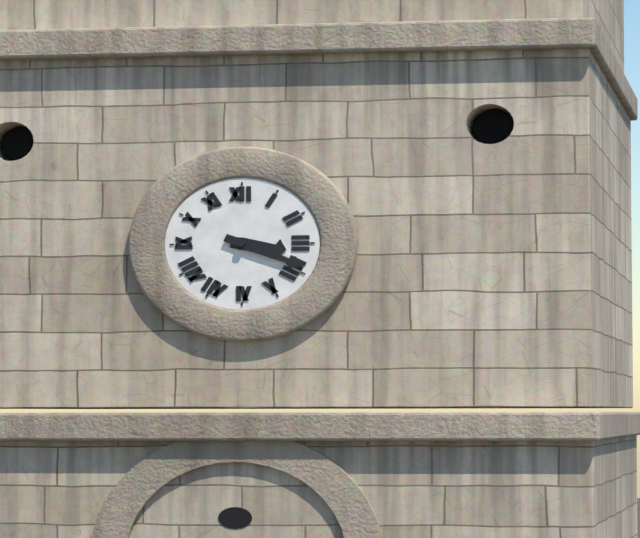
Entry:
**3:19**
